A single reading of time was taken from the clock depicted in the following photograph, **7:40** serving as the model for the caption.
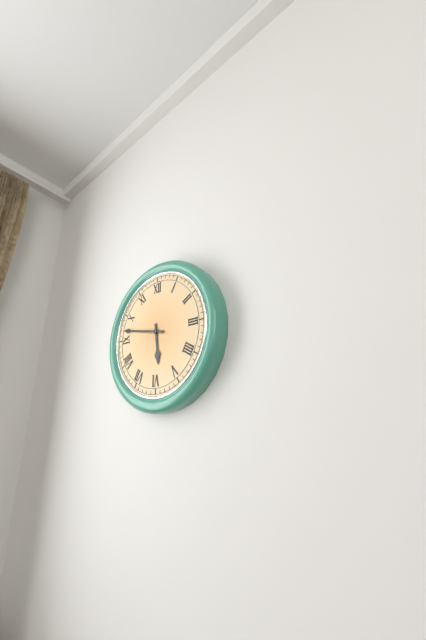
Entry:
**5:47**
